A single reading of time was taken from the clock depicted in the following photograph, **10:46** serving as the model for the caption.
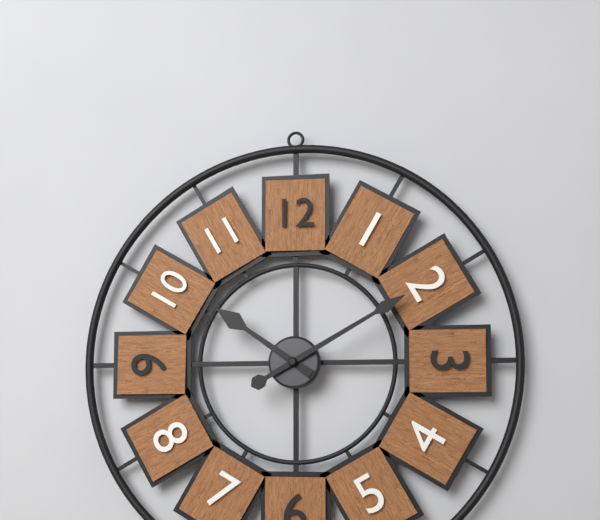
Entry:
**10:10**
